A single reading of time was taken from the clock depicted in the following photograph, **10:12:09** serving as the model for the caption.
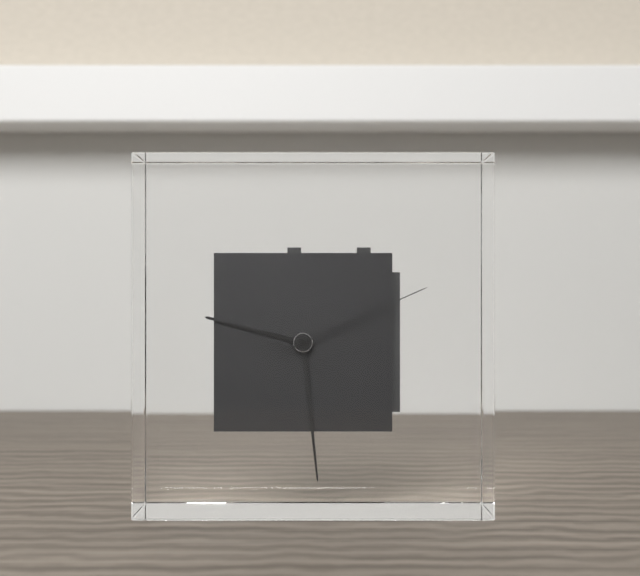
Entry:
**9:29:11**
